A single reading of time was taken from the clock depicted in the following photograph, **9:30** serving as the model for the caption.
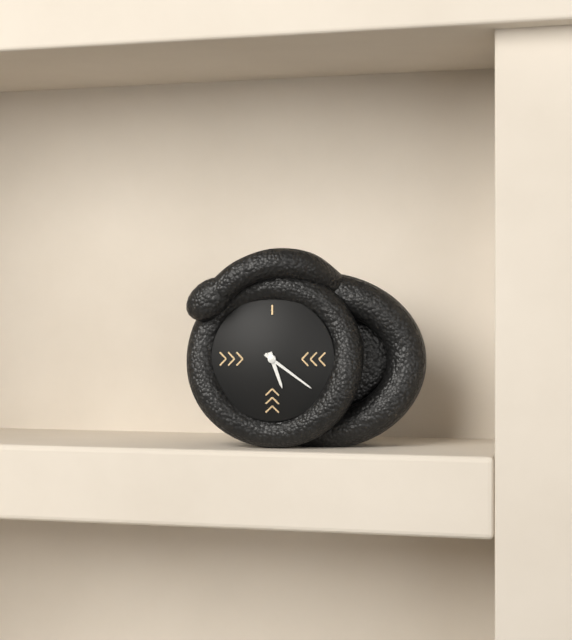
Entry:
**5:21**
